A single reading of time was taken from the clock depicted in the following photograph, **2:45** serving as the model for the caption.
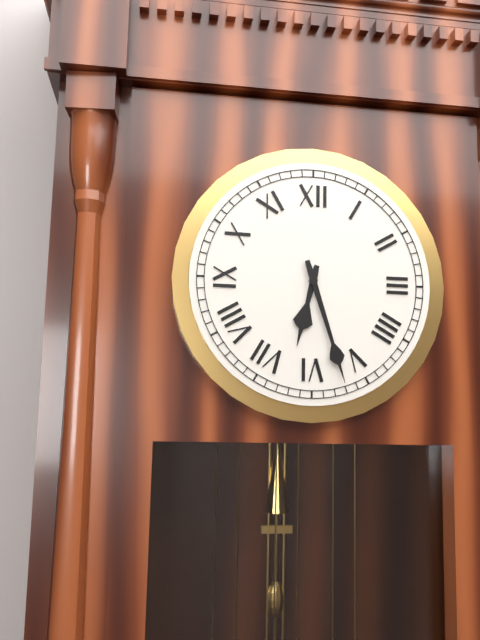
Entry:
**6:27**
